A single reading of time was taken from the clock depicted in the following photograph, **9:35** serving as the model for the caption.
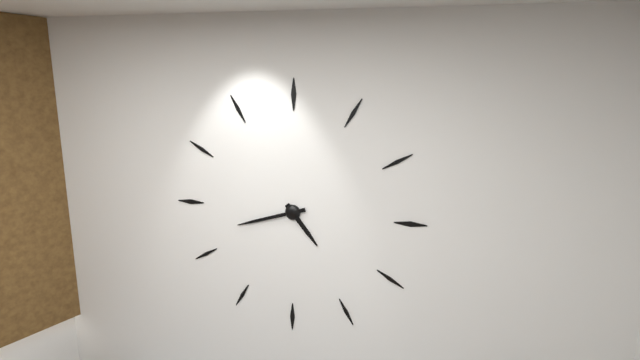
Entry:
**4:42**
